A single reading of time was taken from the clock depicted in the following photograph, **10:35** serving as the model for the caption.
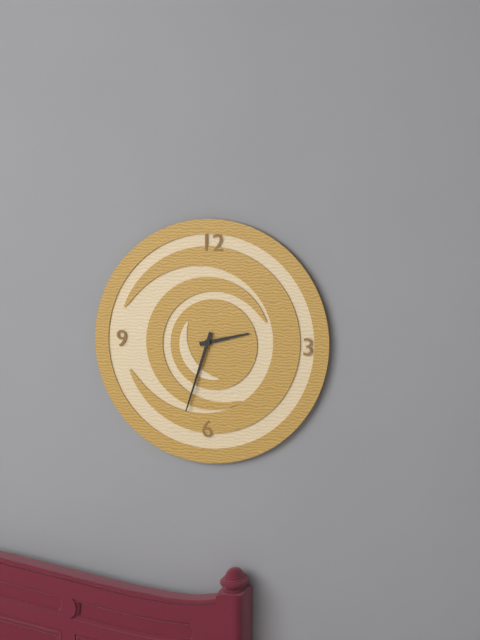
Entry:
**2:33**
